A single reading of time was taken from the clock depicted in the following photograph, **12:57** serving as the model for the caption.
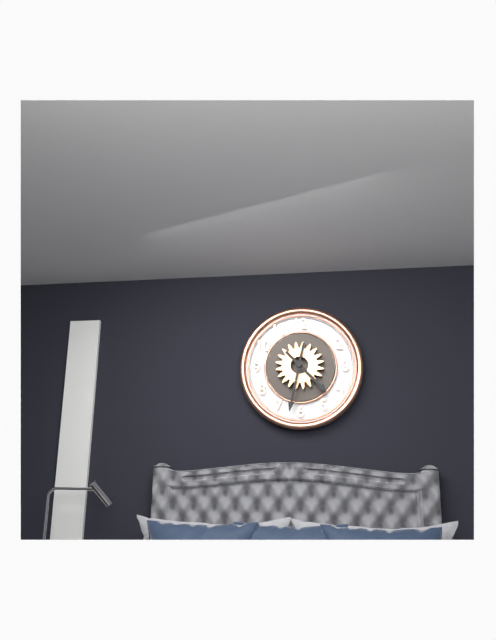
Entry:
**4:32**
